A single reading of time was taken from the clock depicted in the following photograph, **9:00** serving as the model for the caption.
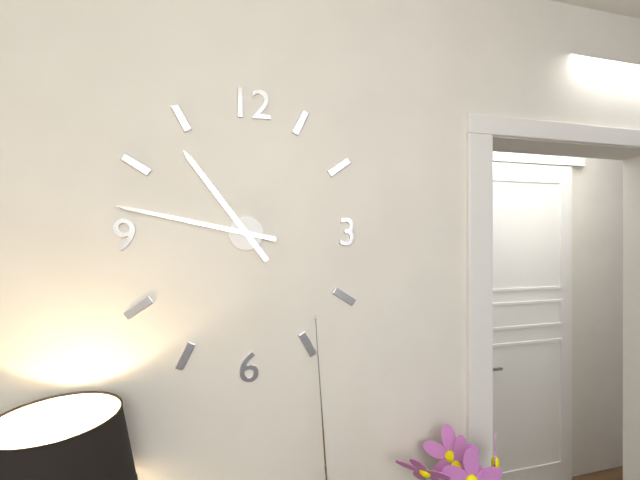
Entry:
**10:47**
